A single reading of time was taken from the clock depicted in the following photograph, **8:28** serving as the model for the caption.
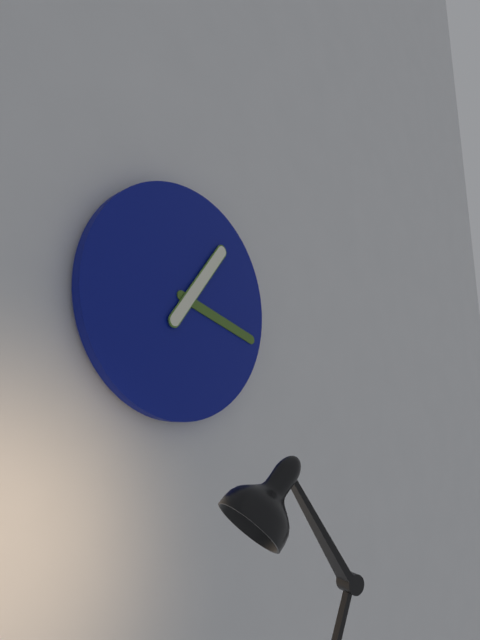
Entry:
**1:18**
